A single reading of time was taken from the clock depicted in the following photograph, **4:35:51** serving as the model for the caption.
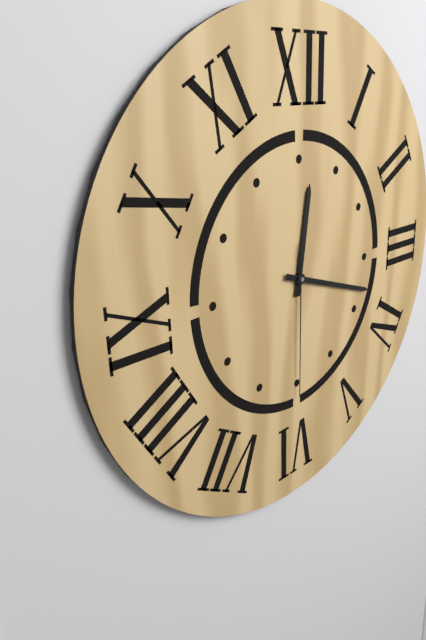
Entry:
**12:18:30**
